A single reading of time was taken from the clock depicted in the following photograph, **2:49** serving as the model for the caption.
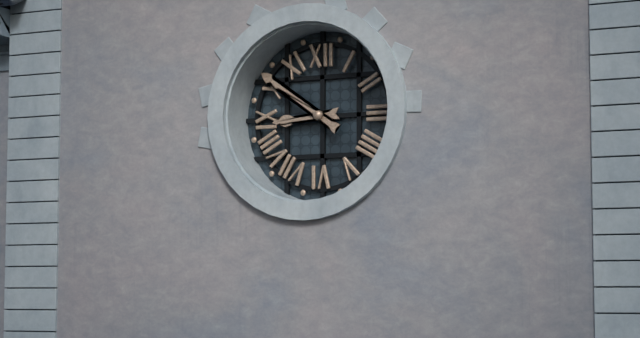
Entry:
**8:51**
